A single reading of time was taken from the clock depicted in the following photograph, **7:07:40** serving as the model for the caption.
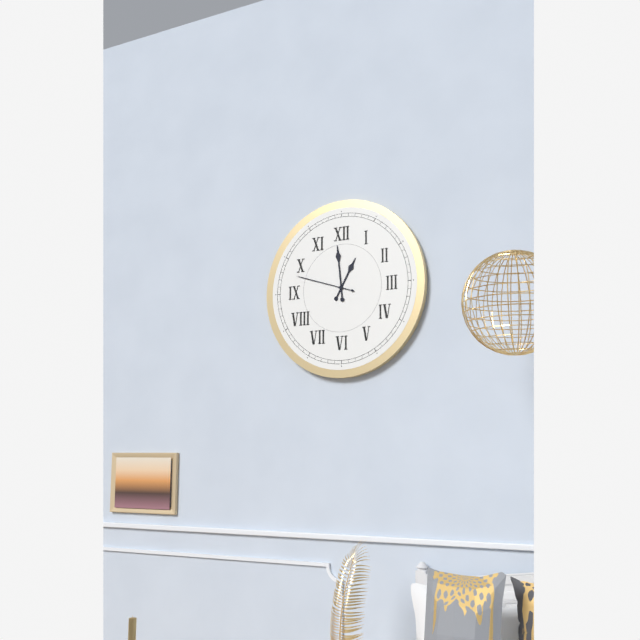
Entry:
**12:59:48**
